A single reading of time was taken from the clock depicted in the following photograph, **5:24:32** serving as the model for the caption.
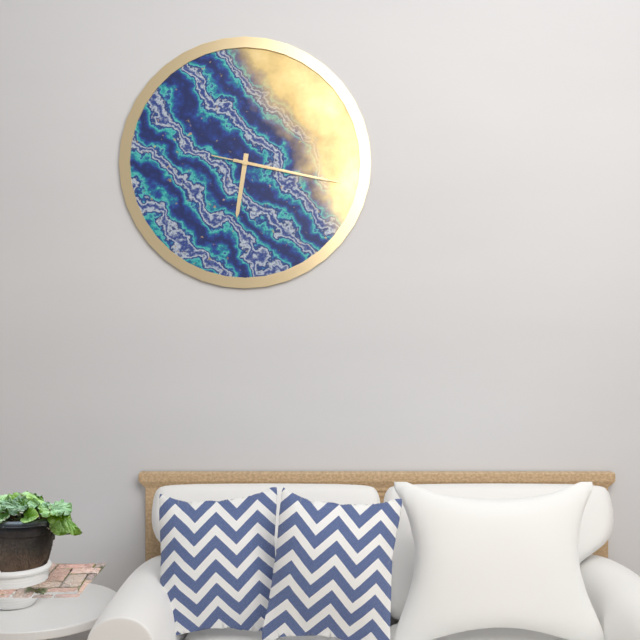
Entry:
**6:17:17**
